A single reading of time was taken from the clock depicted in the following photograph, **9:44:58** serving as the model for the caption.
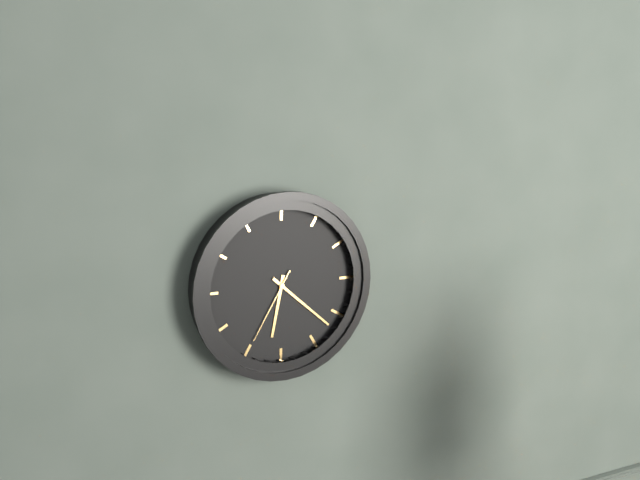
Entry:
**6:22:35**
